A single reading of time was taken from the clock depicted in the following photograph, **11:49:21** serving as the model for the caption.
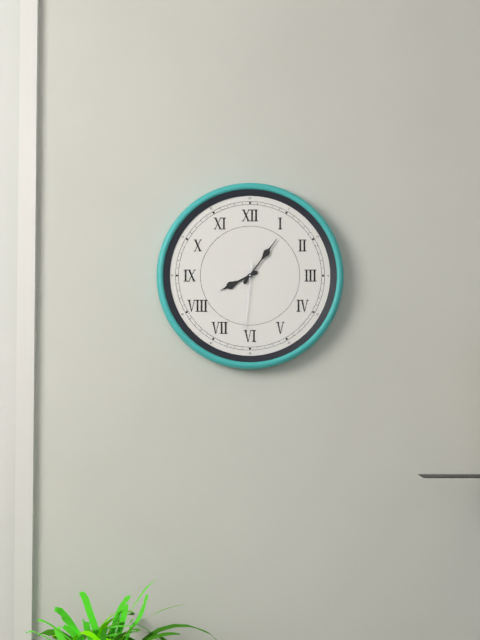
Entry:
**8:06:31**
